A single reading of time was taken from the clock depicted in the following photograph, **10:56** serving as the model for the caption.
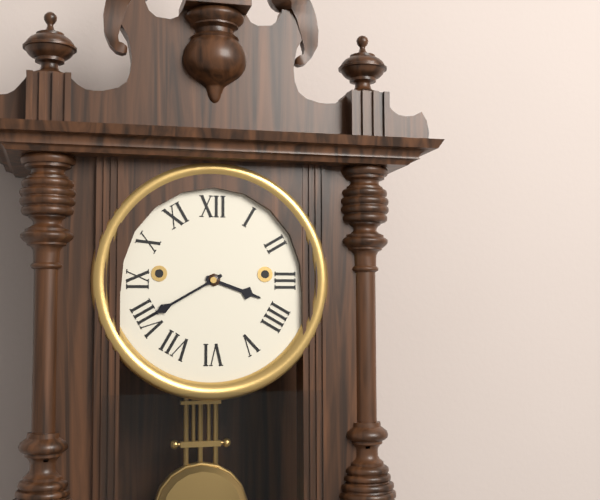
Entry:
**3:40**
